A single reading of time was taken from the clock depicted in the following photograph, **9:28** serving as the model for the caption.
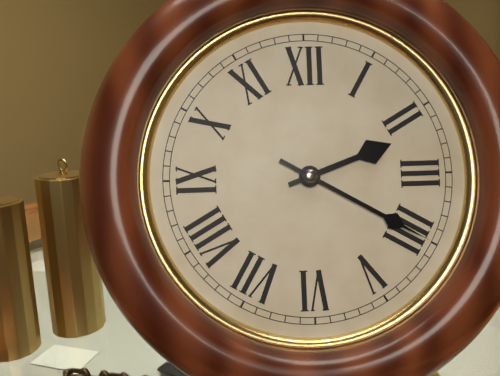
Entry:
**2:20**
